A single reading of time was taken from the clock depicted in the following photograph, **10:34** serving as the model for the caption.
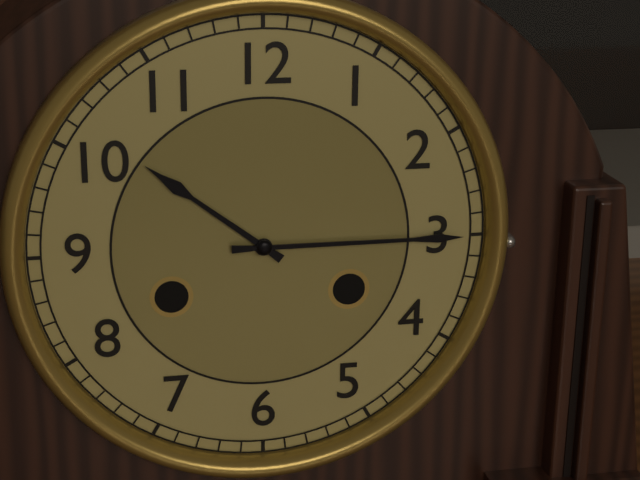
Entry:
**10:15**
